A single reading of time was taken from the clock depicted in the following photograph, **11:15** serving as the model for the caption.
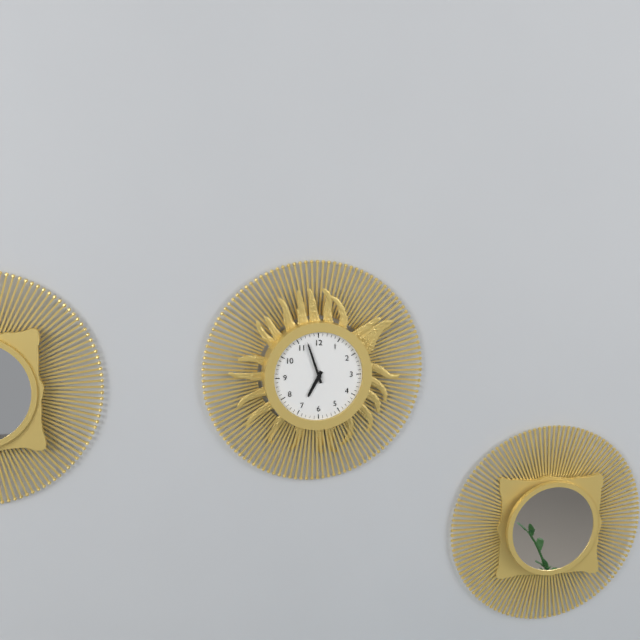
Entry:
**6:57**
